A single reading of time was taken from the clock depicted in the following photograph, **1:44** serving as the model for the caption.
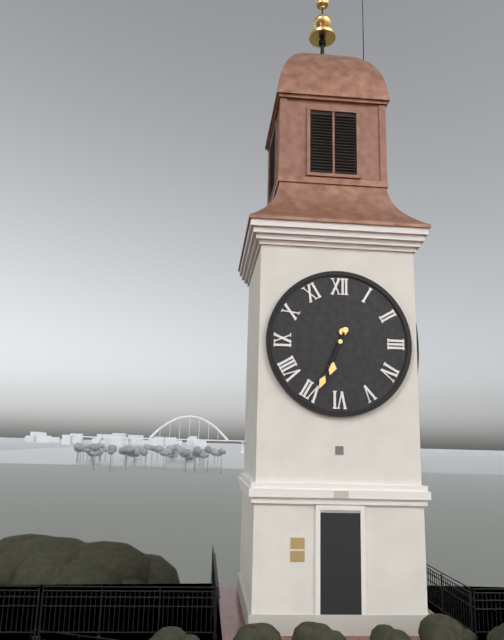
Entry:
**6:34**
